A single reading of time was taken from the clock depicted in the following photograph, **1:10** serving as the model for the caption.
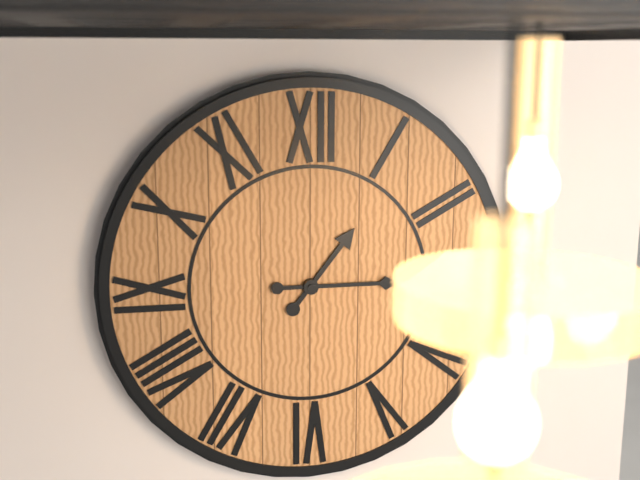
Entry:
**1:15**
